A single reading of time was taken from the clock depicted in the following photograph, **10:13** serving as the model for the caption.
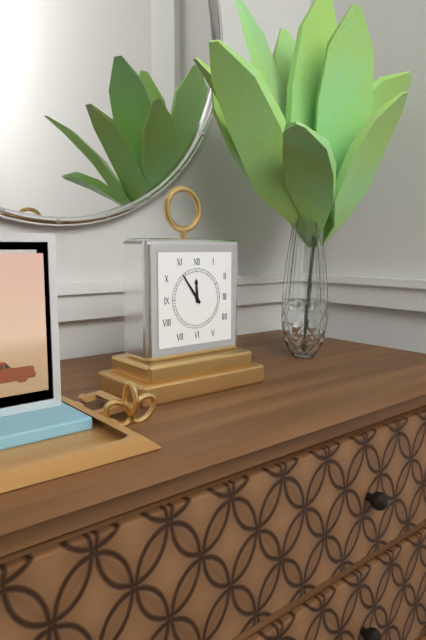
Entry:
**11:54**
